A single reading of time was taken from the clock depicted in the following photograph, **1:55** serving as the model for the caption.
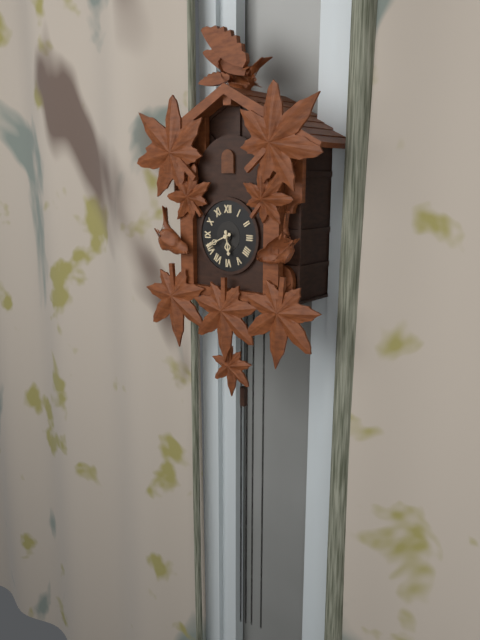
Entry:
**5:41**
